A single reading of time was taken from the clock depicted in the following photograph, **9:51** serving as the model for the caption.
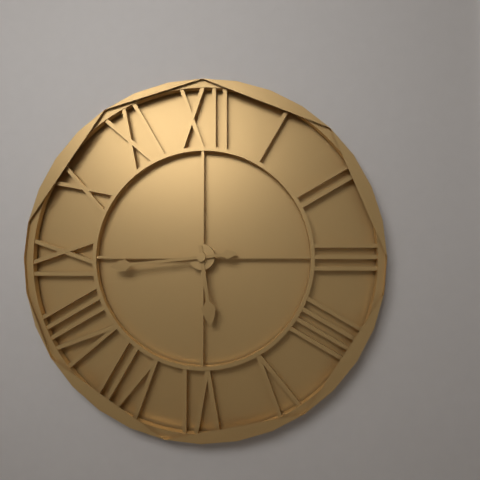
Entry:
**5:44**
